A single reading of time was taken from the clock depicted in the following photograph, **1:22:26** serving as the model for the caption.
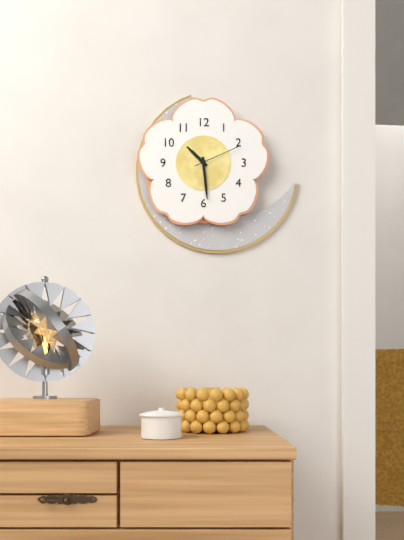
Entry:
**10:29:11**
